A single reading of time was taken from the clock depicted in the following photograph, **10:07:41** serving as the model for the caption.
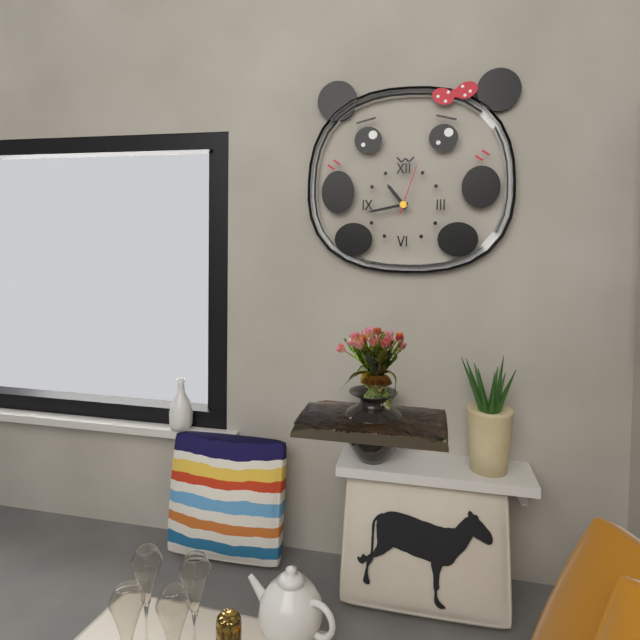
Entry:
**10:43:03**
